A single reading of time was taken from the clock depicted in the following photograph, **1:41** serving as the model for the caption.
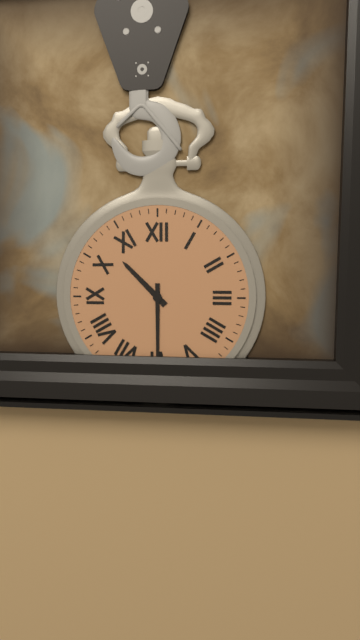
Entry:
**10:30**
